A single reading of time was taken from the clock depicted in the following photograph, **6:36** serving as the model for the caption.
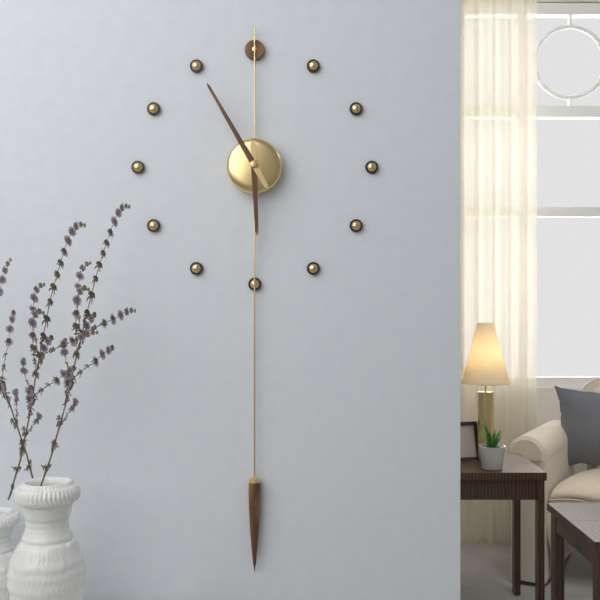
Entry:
**5:55**
